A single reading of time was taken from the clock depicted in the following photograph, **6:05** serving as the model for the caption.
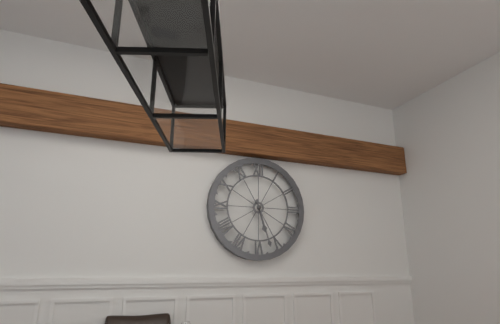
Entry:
**5:27**
